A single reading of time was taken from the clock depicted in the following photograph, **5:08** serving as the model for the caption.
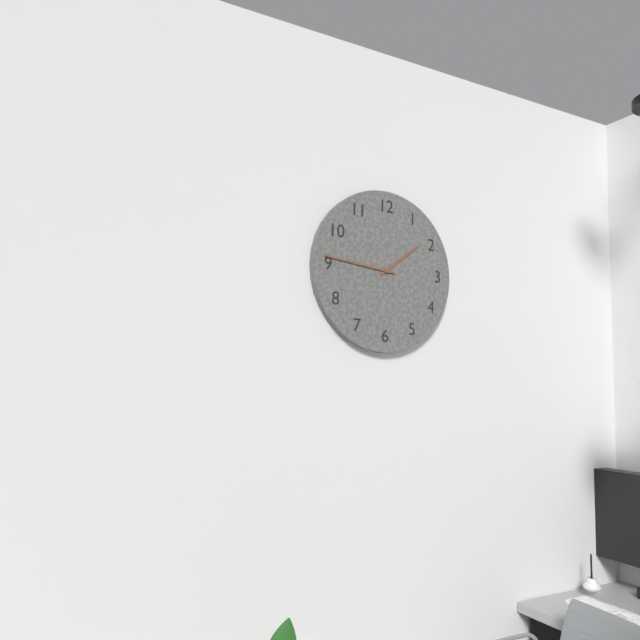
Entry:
**1:46**
